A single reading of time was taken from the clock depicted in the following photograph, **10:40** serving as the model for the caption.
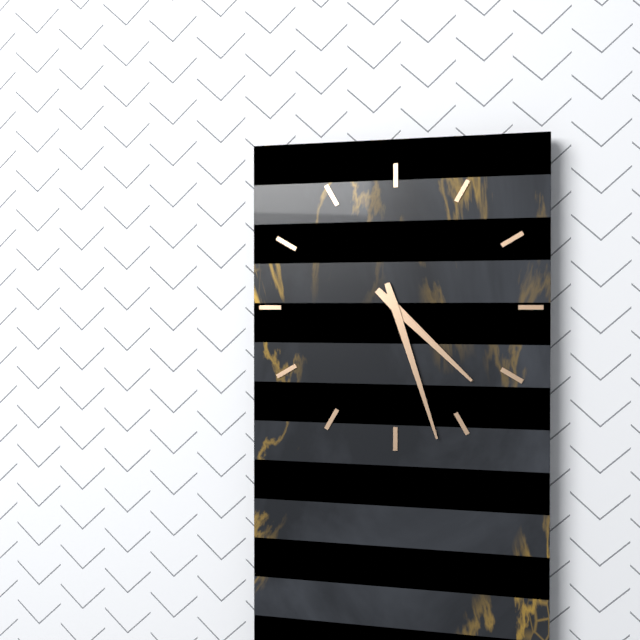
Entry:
**4:27**
